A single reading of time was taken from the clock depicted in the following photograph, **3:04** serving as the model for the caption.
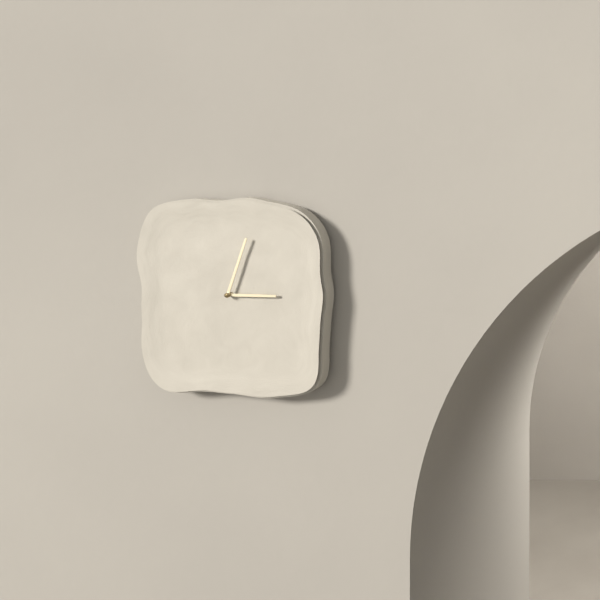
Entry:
**3:03**
